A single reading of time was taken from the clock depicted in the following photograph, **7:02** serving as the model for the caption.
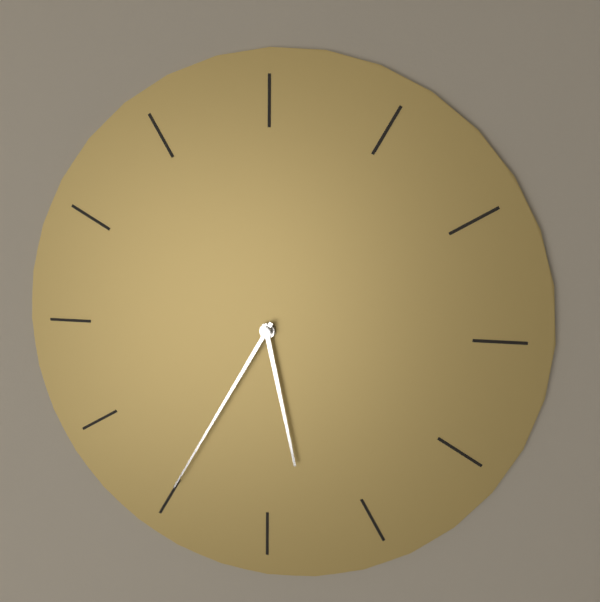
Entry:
**5:35**
